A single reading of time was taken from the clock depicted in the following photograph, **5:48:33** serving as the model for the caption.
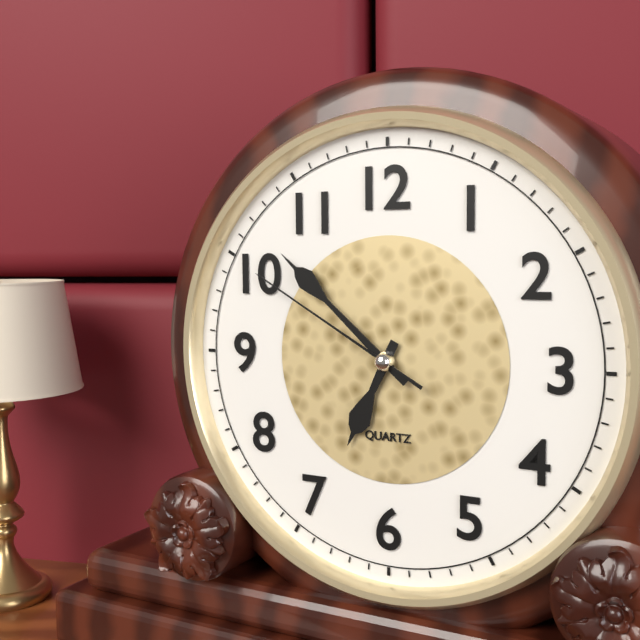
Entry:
**6:52:50**
